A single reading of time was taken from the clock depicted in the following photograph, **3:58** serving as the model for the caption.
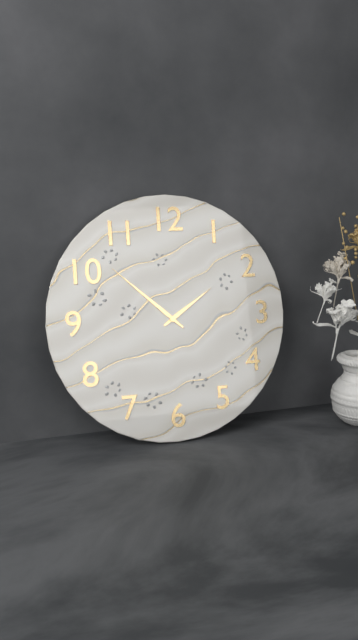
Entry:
**1:52**
